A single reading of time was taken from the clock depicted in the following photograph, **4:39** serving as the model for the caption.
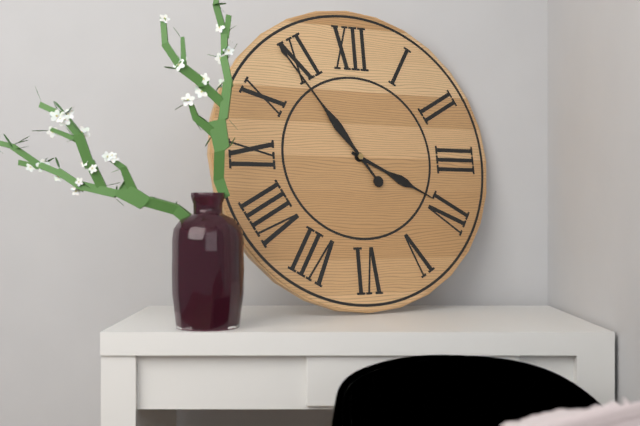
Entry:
**3:54**
